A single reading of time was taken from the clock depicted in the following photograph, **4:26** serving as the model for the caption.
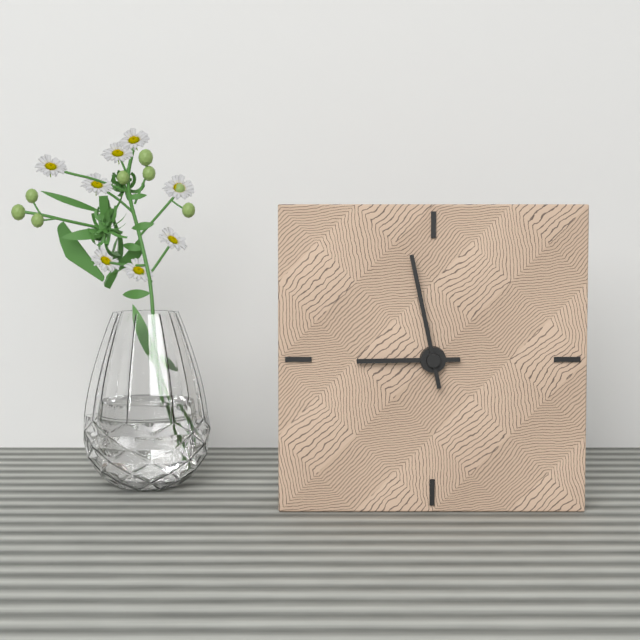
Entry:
**8:58**
